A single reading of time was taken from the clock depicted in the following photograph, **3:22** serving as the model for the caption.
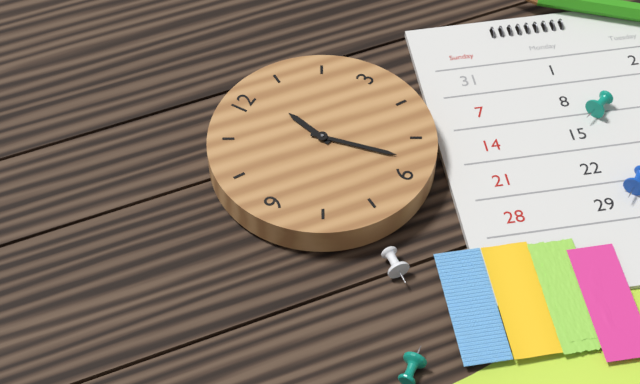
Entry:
**12:28**
